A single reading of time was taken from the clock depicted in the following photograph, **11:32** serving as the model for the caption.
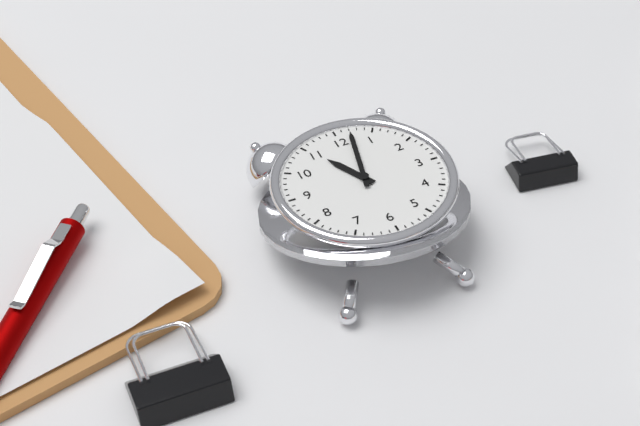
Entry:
**11:02**
